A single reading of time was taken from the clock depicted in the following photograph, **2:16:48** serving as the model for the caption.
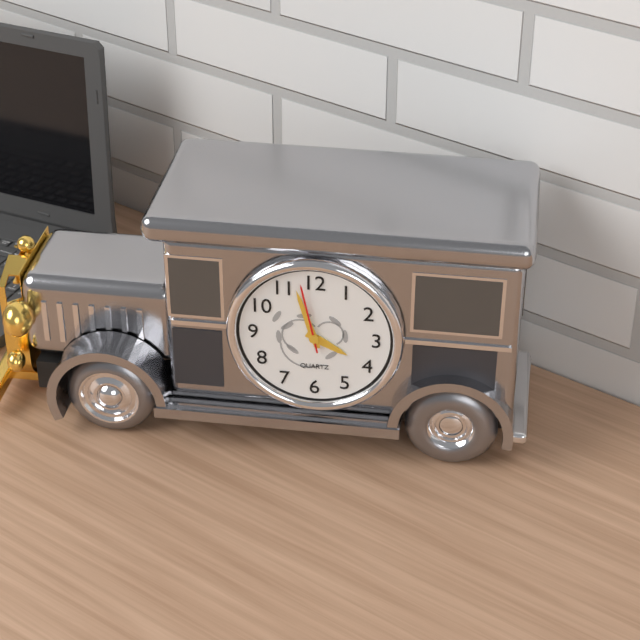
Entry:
**3:57:58**
